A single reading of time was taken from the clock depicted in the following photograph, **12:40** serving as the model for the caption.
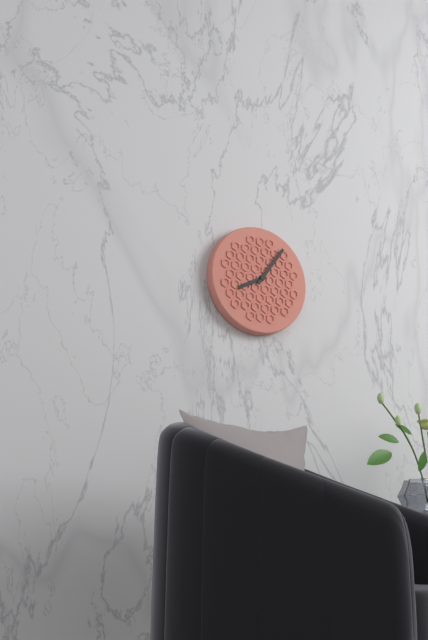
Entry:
**8:06**
